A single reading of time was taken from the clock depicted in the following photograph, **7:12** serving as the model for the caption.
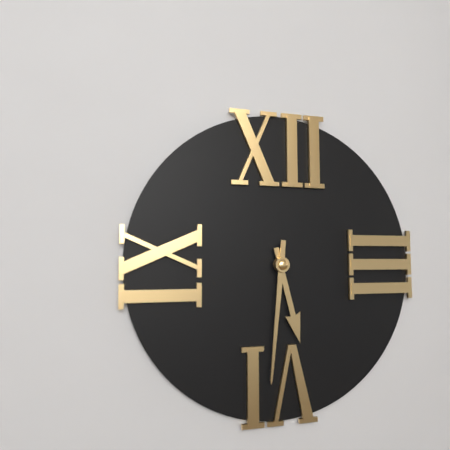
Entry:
**5:31**
